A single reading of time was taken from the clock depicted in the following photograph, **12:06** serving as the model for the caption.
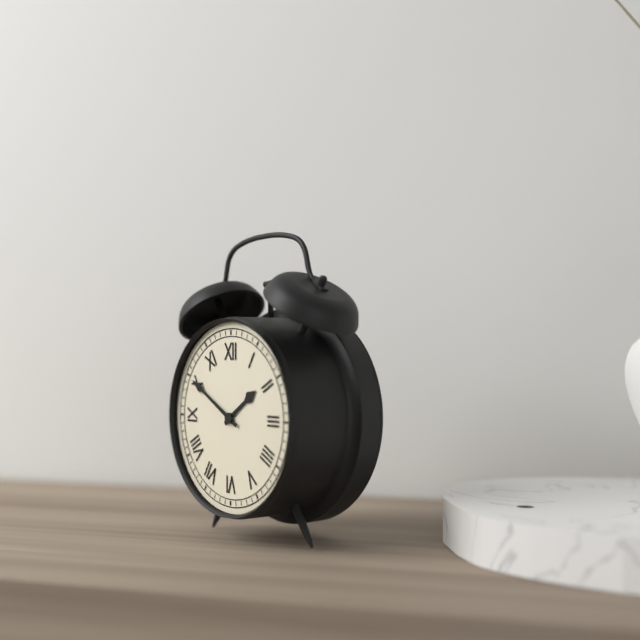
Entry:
**1:50**
